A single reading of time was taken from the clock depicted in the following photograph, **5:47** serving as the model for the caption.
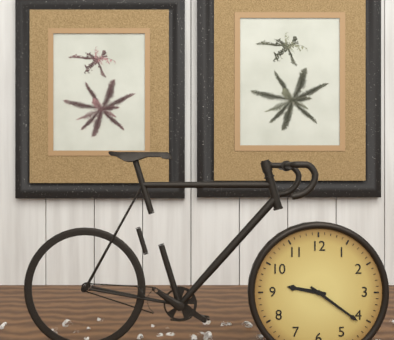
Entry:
**9:21**
